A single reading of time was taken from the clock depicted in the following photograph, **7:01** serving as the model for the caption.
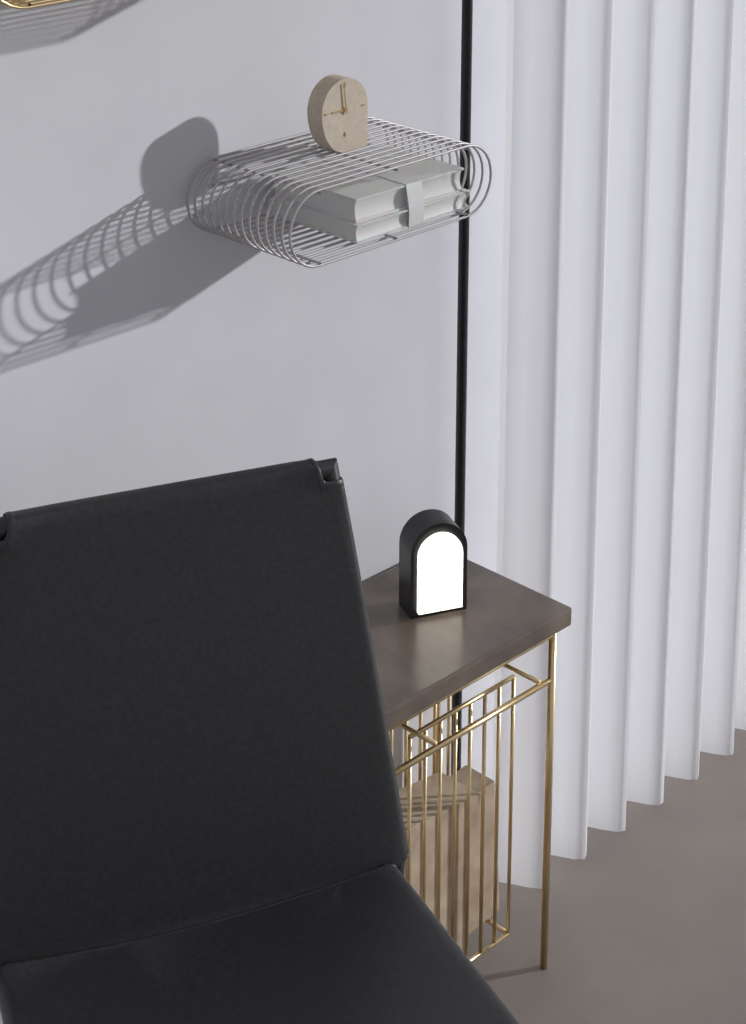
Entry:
**8:59**
